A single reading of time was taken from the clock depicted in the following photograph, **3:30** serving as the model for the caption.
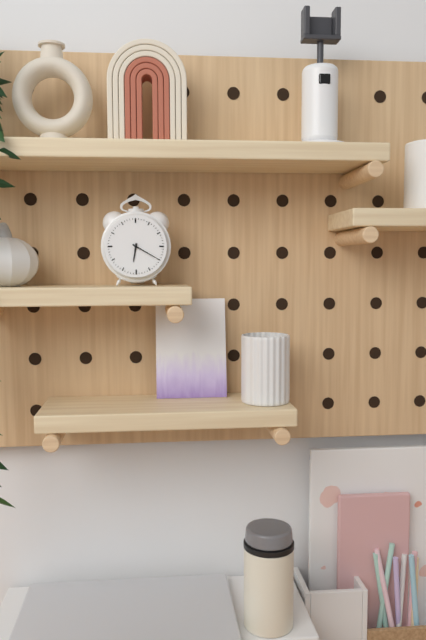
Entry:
**6:20**
